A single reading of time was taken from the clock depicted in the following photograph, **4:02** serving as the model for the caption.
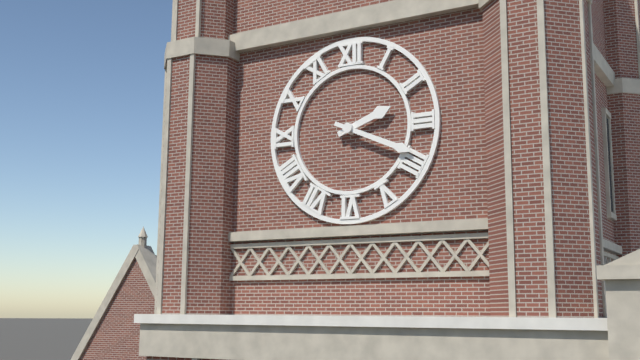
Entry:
**2:19**
